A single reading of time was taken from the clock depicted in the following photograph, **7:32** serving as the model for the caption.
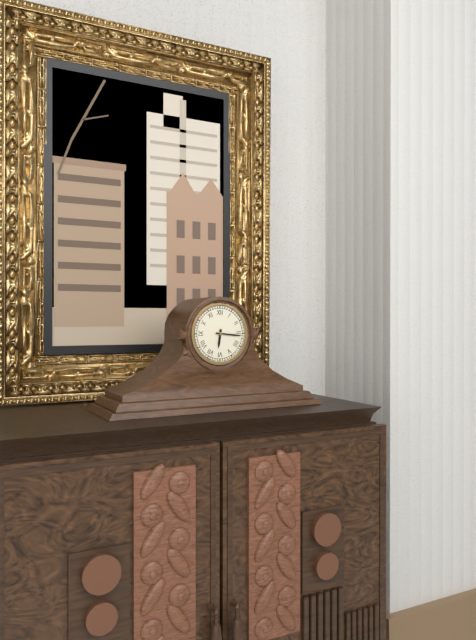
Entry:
**6:16**
